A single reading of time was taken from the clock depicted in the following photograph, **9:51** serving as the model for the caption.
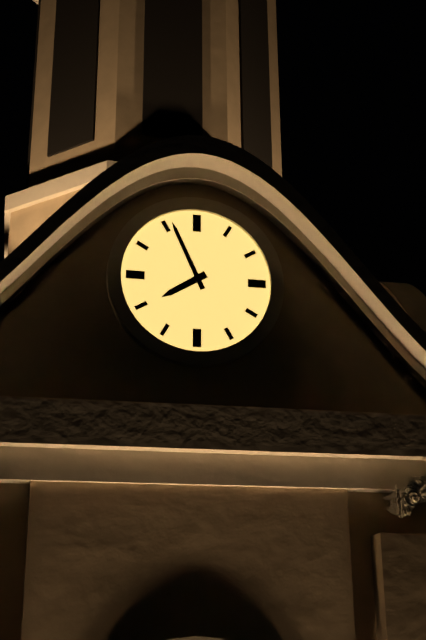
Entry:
**7:56**
